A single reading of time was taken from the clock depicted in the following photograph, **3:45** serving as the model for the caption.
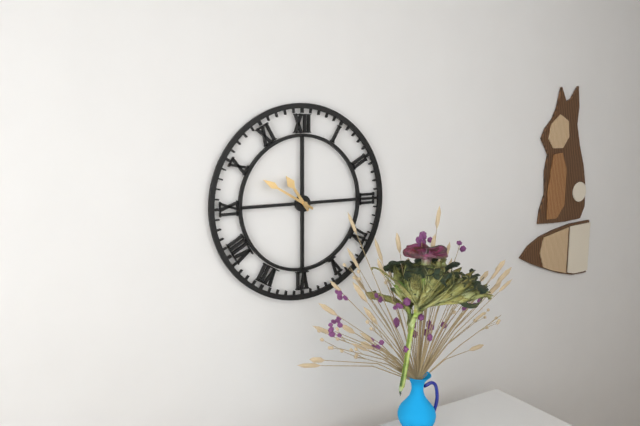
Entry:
**10:50**
